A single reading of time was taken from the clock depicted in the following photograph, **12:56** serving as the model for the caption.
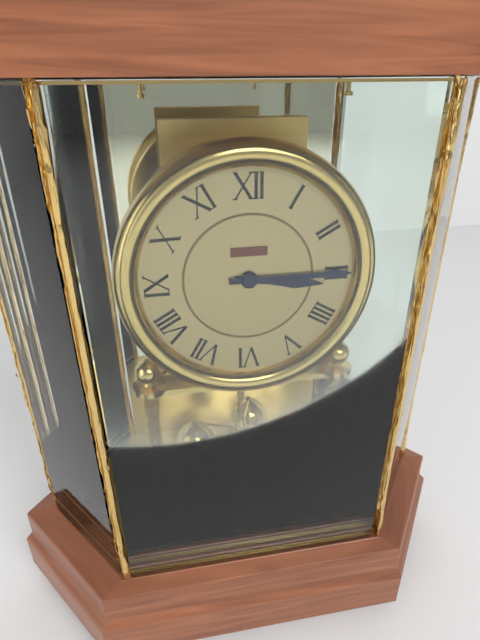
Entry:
**3:15**
